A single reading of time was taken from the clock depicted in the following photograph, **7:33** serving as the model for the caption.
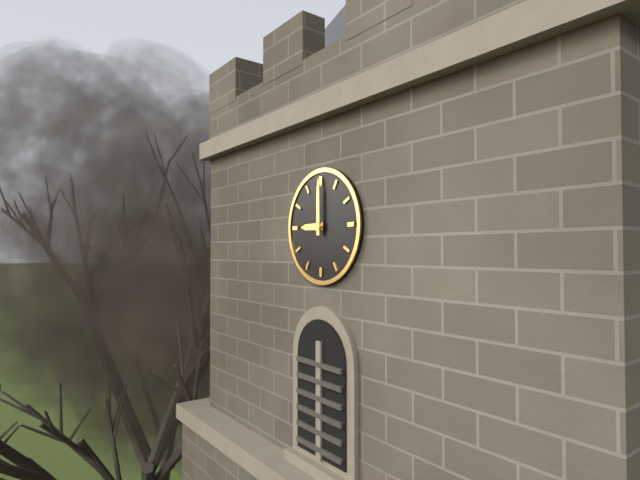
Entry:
**9:00**
